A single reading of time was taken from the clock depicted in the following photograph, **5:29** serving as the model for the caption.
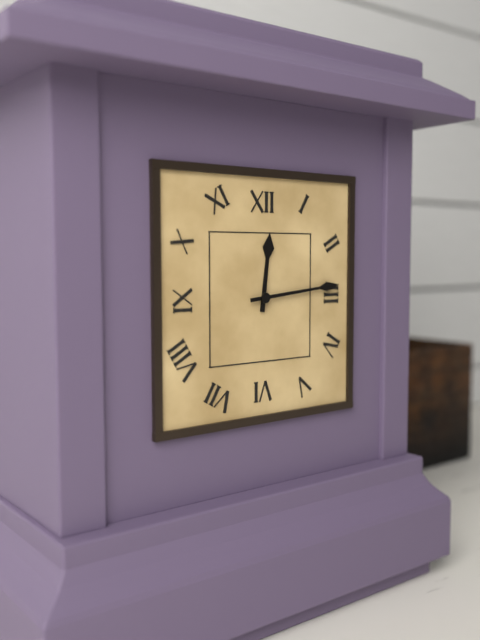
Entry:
**12:14**
